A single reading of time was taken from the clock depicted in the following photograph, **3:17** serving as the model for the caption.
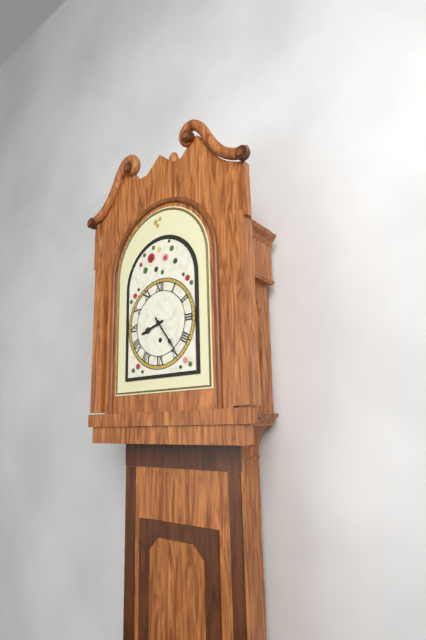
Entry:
**8:24**
